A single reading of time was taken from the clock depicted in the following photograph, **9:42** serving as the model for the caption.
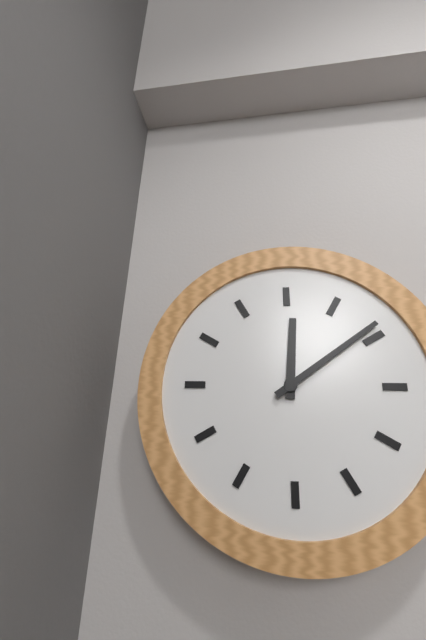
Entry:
**12:09**
